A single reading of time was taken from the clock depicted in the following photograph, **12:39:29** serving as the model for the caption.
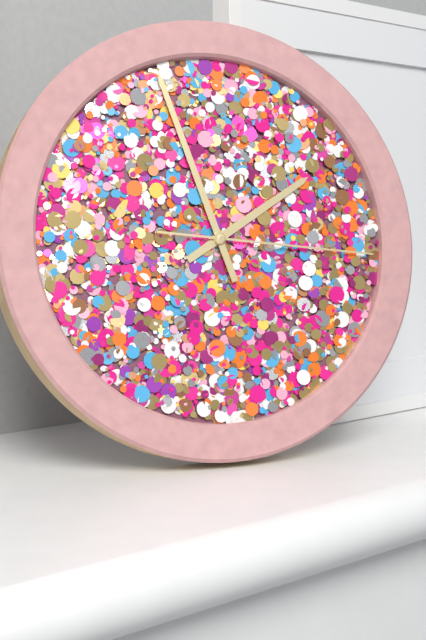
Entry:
**1:57:16**
